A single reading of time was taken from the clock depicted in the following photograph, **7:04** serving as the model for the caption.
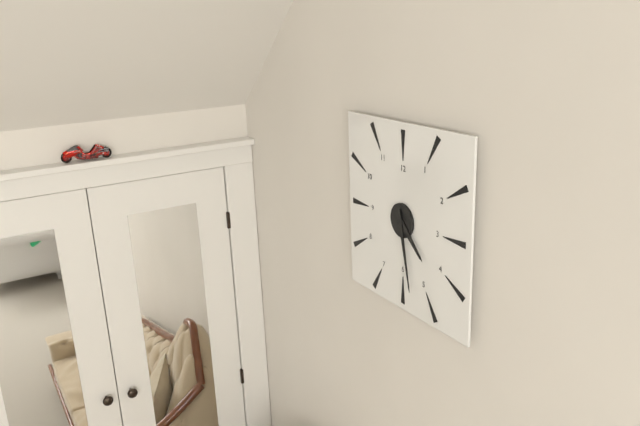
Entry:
**4:28**
